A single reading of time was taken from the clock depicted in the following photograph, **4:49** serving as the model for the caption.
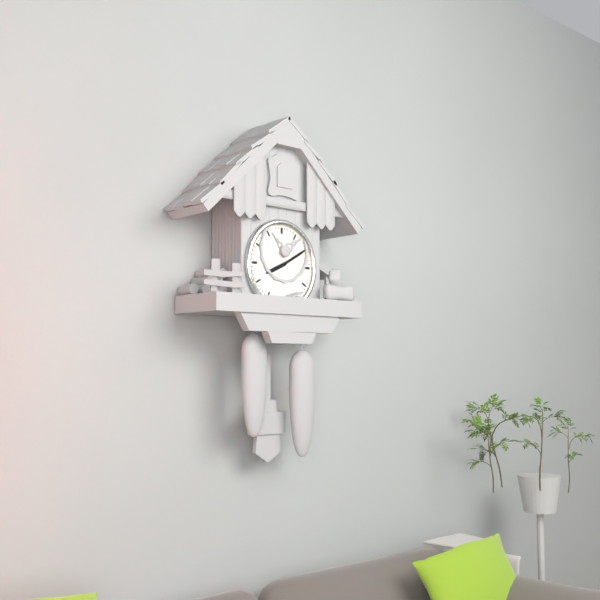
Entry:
**8:10**
